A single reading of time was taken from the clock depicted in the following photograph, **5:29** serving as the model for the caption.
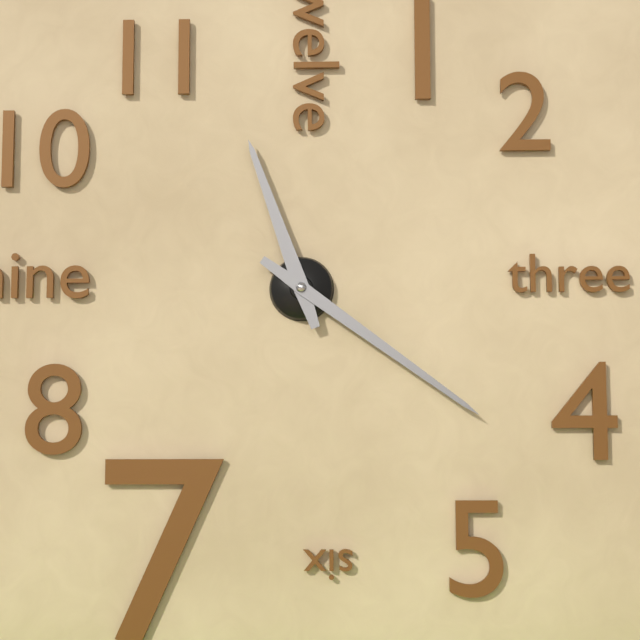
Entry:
**11:21**
